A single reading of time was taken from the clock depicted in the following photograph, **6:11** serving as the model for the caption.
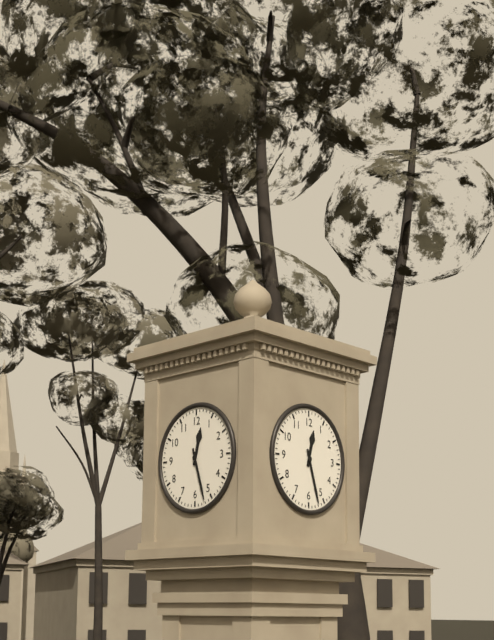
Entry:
**12:27**
